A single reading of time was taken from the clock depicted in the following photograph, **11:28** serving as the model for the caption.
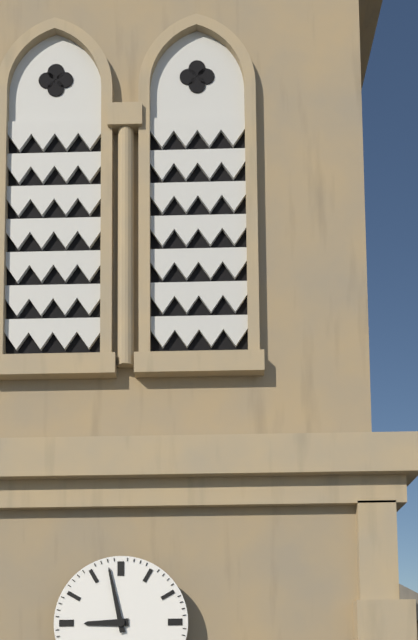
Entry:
**8:58**
